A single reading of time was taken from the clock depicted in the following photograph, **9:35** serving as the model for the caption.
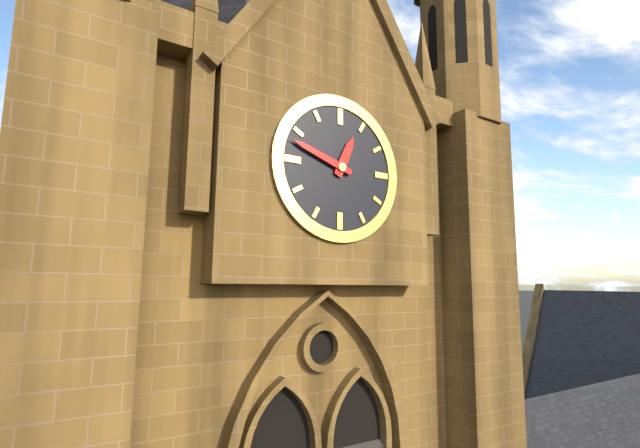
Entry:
**12:48**
